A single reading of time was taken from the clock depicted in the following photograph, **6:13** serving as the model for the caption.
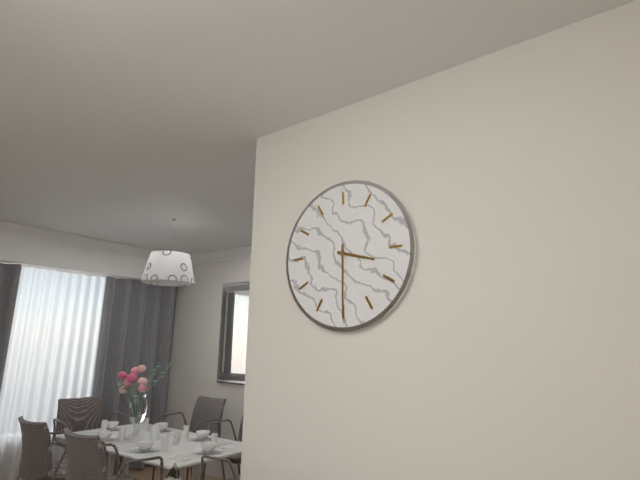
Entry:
**3:30**
